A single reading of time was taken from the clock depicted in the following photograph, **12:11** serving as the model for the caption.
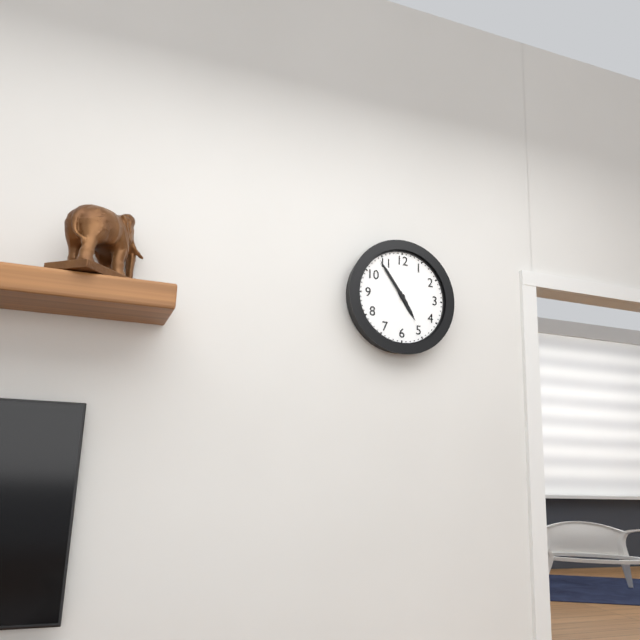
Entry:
**4:54**
